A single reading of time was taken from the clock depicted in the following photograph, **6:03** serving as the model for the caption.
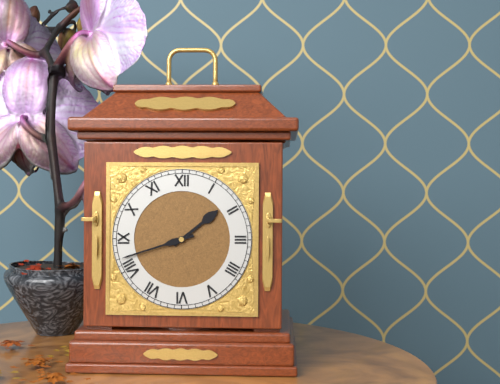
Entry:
**1:42**
